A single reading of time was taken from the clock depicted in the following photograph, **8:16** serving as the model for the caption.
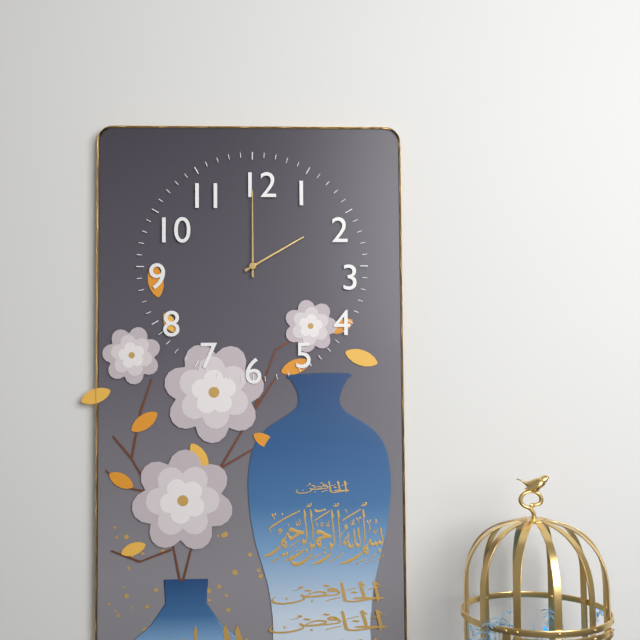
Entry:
**2:00**
